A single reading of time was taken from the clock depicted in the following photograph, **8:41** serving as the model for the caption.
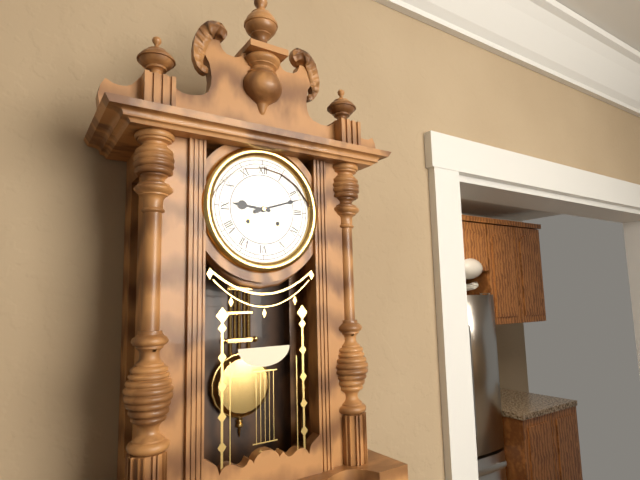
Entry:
**9:12**
